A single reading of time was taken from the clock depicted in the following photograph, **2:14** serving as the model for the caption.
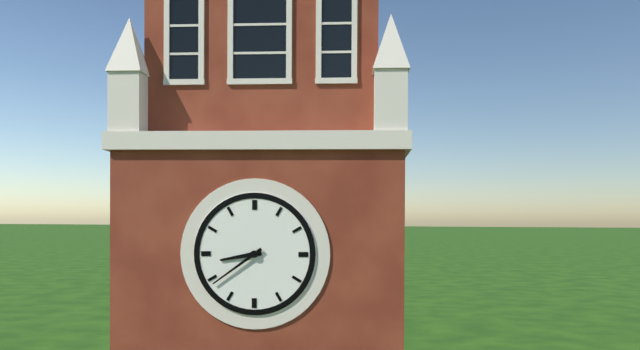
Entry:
**8:39**
